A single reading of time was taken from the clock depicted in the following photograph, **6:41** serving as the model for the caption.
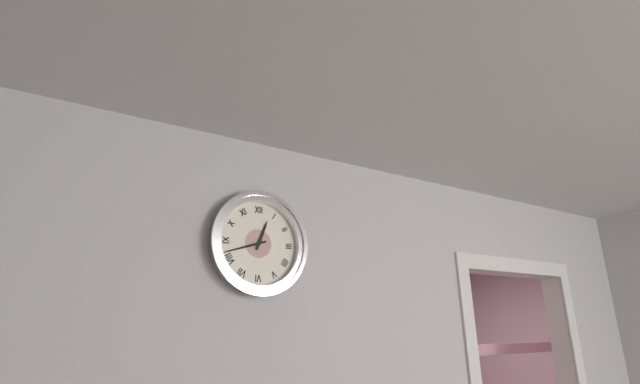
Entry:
**12:42**
